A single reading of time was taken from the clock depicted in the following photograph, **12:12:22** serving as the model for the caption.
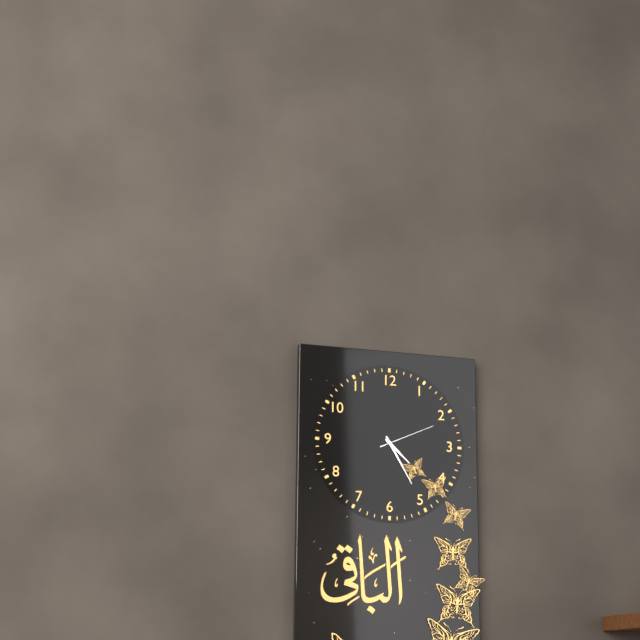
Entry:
**4:25:11**
